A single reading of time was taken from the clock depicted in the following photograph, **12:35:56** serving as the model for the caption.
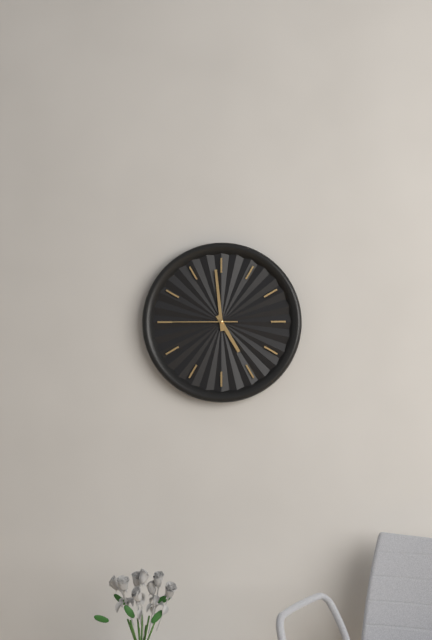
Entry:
**4:59:45**
